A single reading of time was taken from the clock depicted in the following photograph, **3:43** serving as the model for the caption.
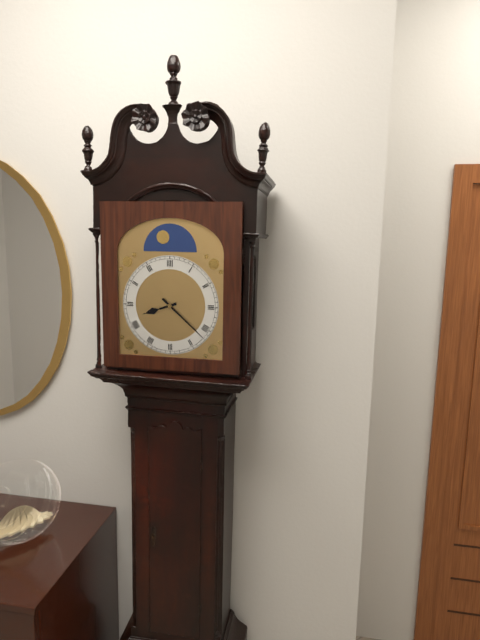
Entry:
**8:22**
